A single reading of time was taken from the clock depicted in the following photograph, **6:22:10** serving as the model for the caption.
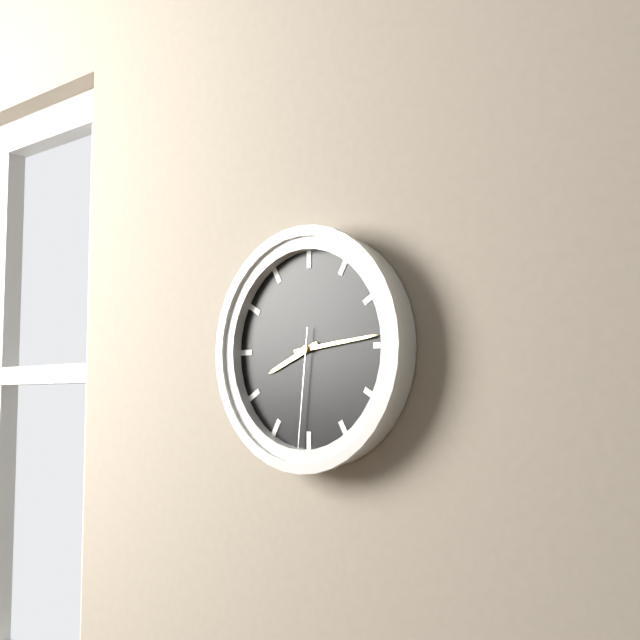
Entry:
**8:14:31**
